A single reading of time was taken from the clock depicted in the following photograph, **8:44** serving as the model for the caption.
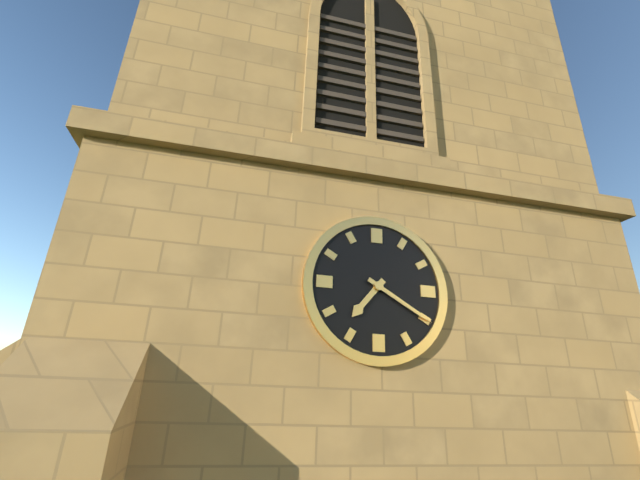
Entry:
**7:20**
